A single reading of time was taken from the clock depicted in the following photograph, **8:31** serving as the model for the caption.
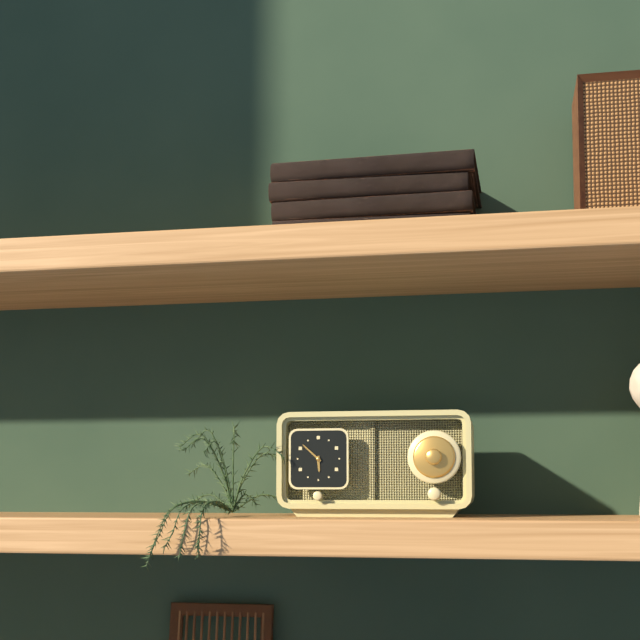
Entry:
**5:52**
